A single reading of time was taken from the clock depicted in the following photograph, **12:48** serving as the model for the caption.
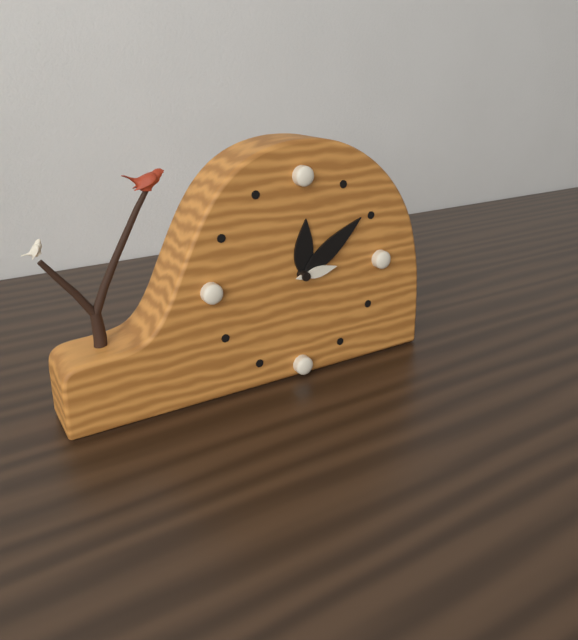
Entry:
**12:09**
